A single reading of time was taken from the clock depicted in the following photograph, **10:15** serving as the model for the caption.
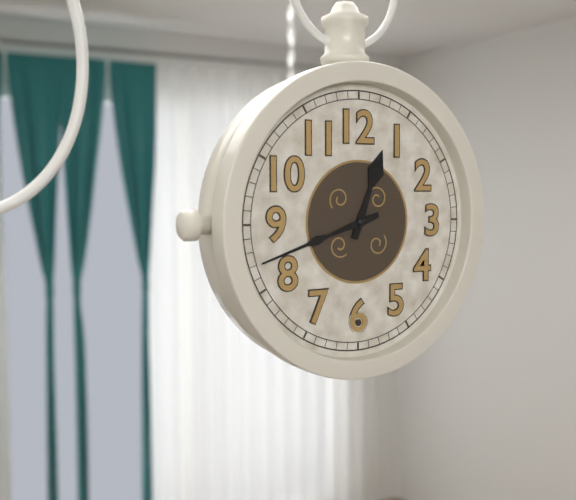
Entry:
**12:42**
